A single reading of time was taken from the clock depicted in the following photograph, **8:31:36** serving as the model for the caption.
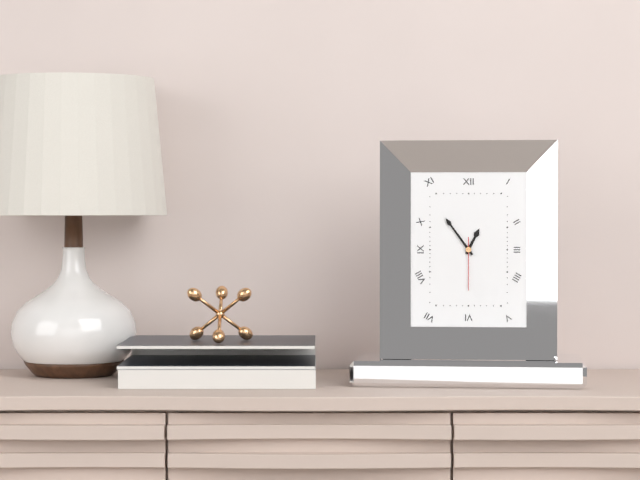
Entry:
**12:54:30**
